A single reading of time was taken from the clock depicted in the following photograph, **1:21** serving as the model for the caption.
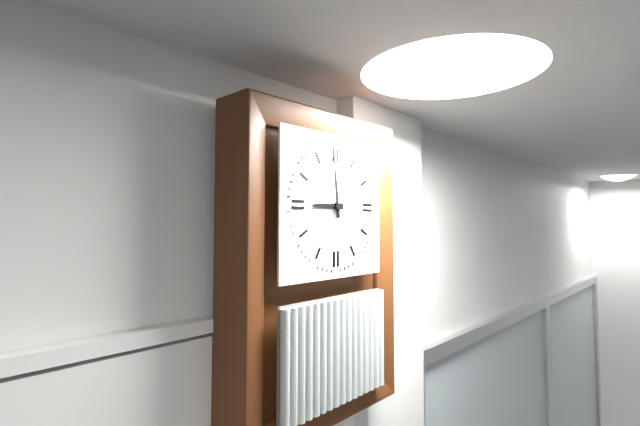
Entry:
**8:59**
